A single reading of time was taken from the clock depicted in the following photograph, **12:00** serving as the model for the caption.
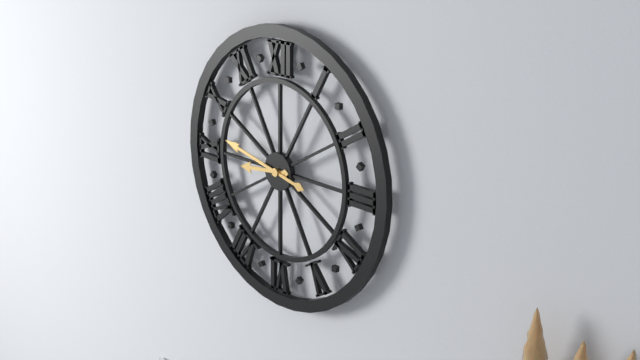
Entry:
**8:47**
